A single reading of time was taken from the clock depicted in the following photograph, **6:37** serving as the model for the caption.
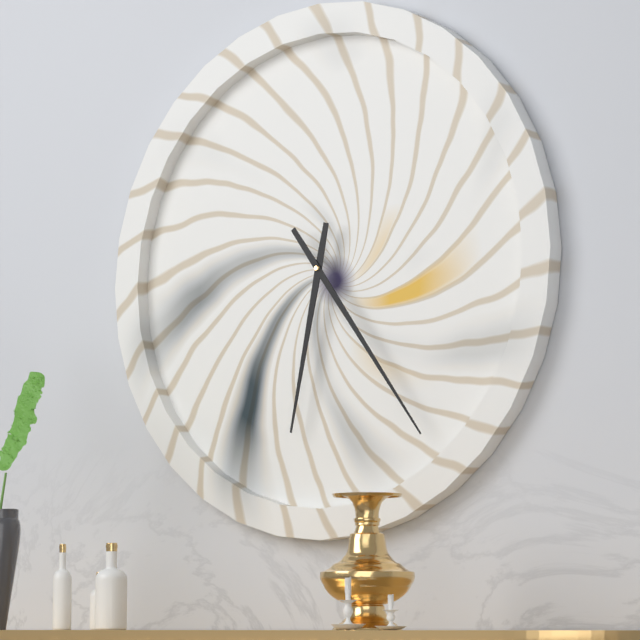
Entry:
**6:24**
